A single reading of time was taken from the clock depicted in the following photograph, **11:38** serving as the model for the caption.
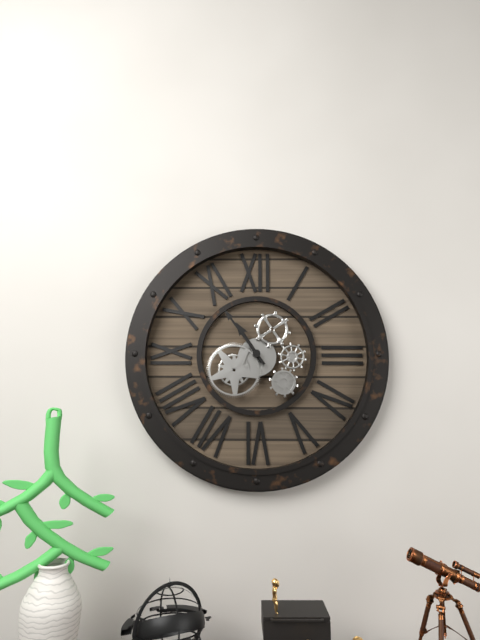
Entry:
**10:54**
